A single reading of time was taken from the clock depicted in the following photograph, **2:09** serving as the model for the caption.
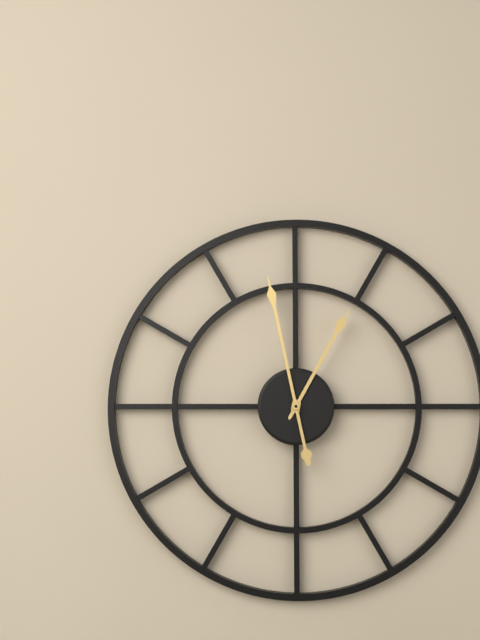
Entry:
**12:58**
